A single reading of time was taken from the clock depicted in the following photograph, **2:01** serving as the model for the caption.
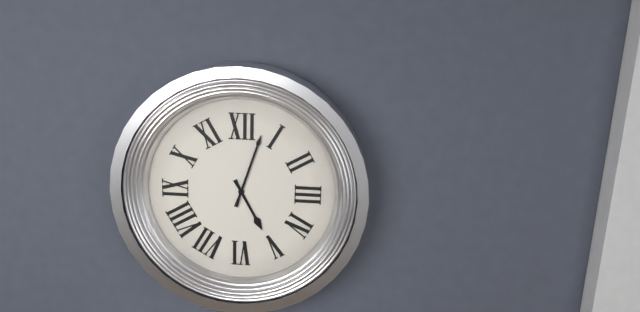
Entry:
**5:03**
